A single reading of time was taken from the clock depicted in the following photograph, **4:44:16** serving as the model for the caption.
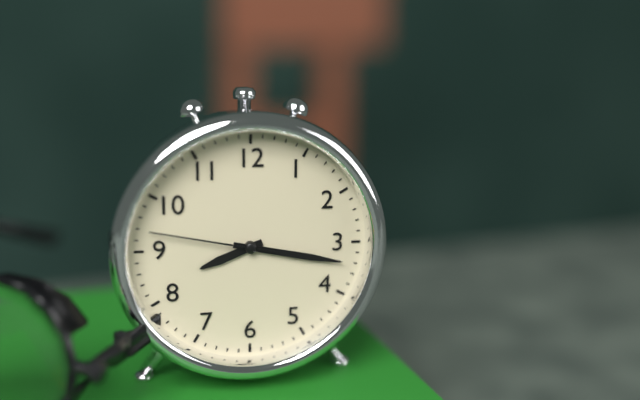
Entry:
**8:17:47**
